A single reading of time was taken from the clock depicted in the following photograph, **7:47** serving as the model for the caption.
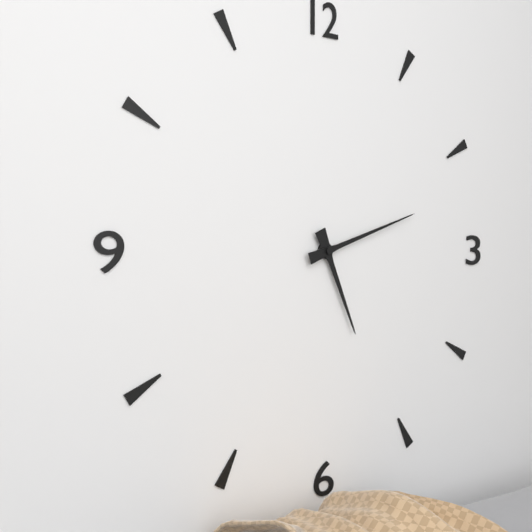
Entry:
**5:12**
